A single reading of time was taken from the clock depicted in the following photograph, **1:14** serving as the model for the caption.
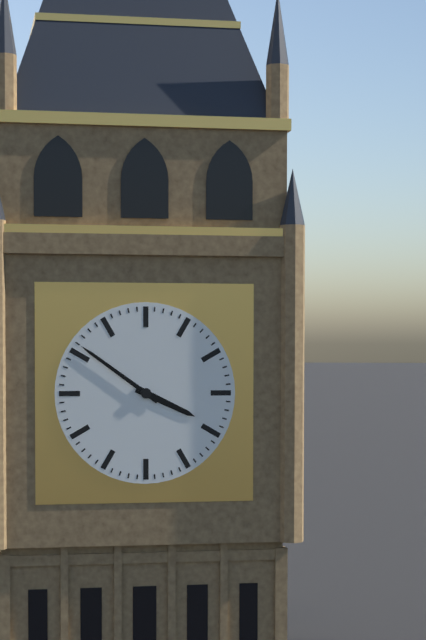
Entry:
**3:51**
